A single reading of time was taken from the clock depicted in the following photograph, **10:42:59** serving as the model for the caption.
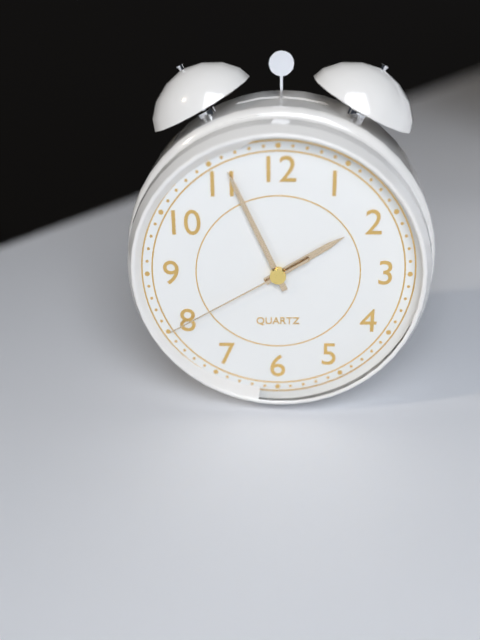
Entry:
**1:56:40**
